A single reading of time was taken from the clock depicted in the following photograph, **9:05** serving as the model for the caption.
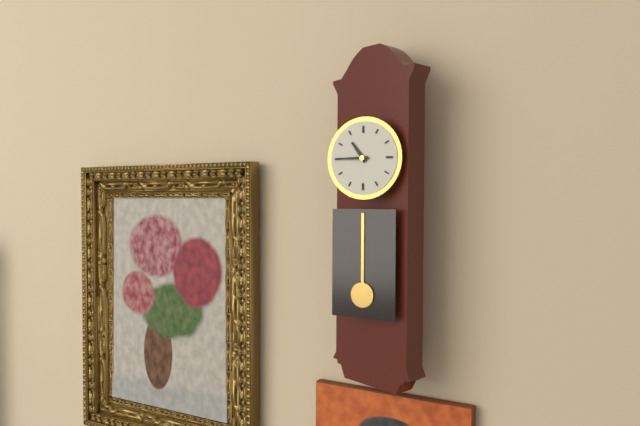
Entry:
**10:45**
